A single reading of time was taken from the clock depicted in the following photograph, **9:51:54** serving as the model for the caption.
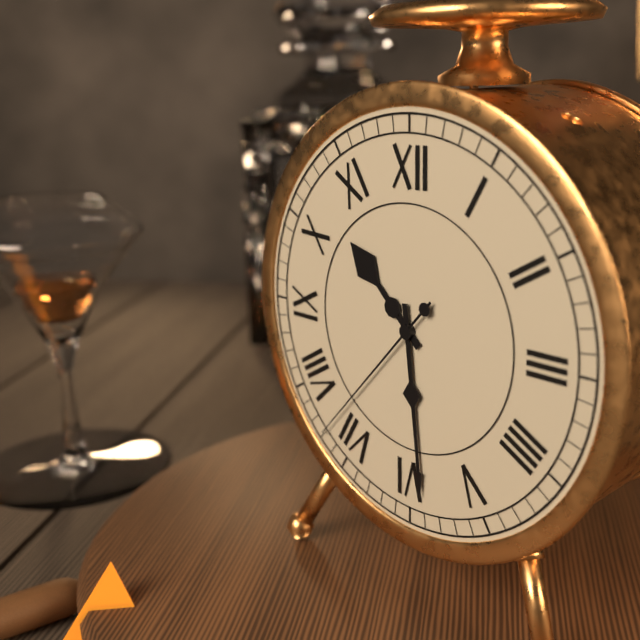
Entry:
**10:29:37**
